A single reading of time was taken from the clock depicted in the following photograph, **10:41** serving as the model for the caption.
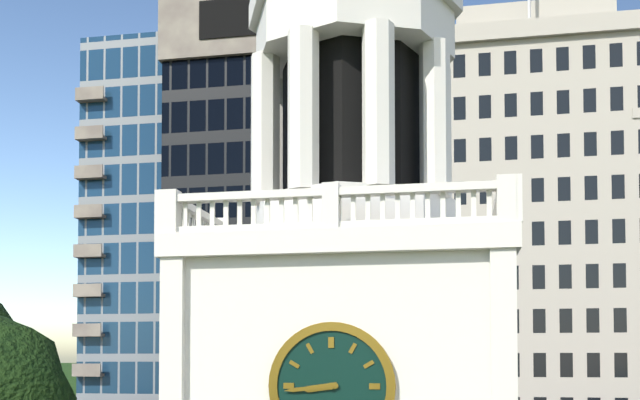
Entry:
**8:44**
